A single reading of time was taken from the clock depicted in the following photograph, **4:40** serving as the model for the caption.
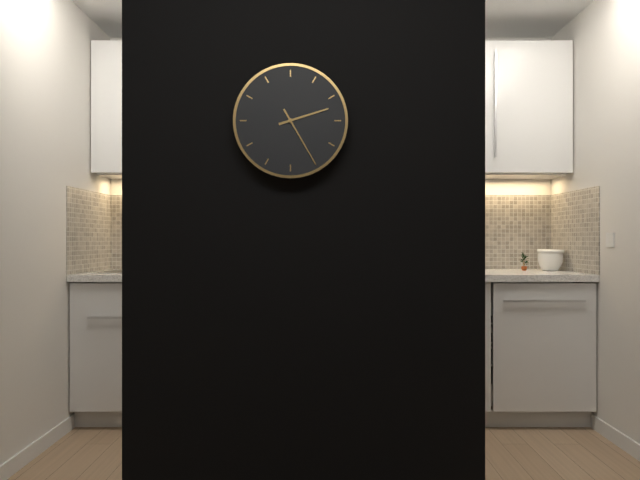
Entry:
**2:25**
